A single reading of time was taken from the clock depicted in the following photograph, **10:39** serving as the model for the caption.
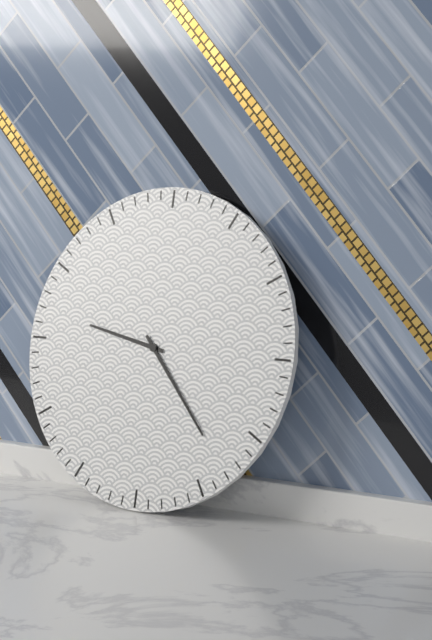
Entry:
**9:23**
